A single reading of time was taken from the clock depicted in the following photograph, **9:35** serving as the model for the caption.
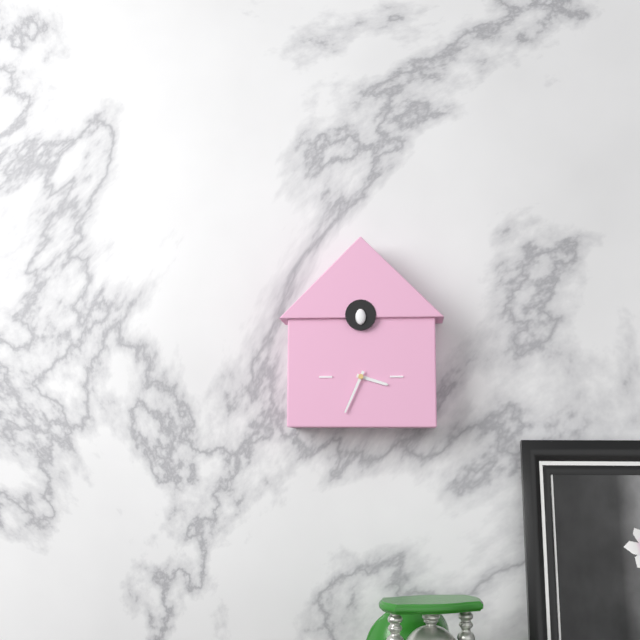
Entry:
**3:34**
